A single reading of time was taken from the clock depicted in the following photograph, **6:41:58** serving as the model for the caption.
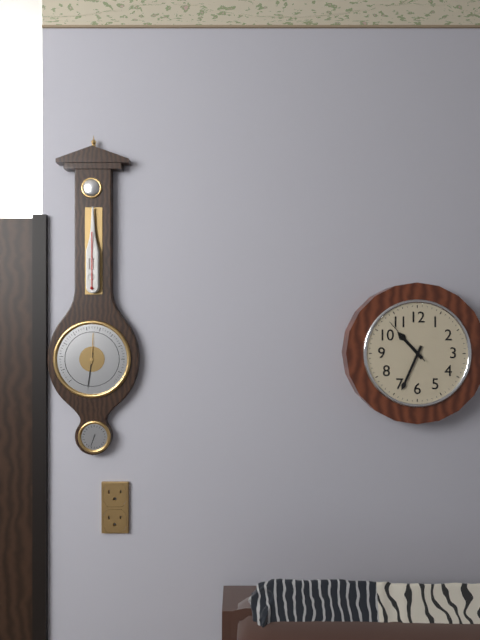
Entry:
**10:34:53**
